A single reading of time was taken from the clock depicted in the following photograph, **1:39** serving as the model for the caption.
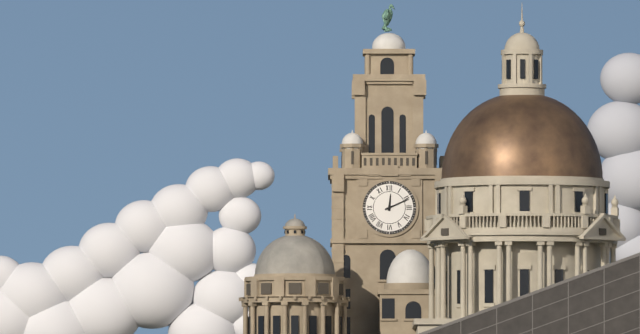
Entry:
**12:11**
